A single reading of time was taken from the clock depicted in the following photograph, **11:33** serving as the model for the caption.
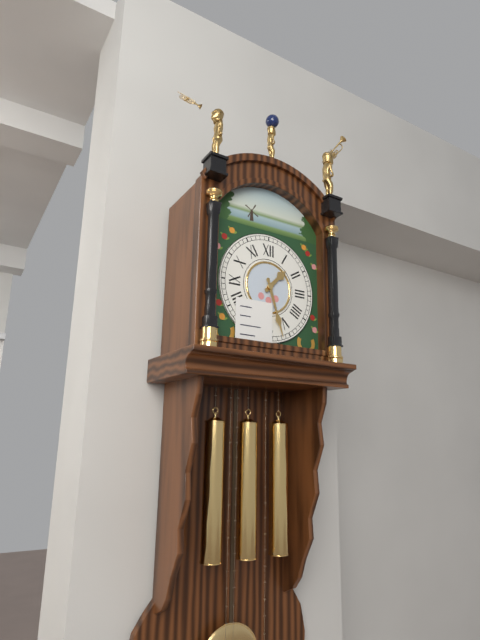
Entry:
**1:27**
